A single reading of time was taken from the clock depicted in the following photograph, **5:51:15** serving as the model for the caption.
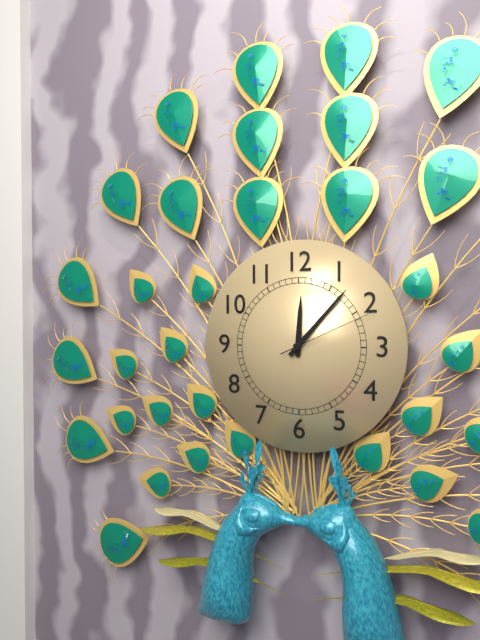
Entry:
**12:07:11**
